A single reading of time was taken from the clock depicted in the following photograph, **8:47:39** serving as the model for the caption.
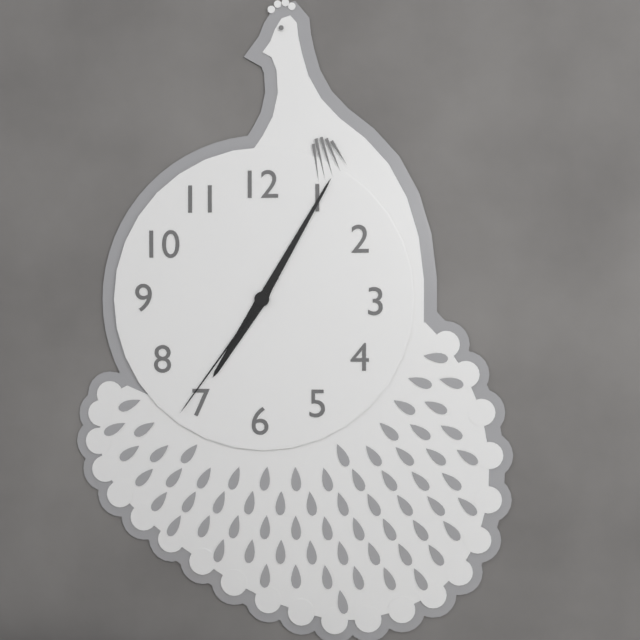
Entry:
**7:05:36**
